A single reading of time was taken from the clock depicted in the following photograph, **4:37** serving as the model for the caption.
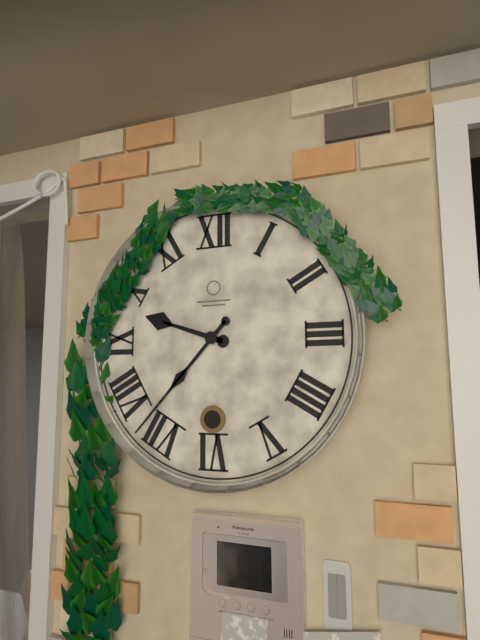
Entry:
**9:37**
